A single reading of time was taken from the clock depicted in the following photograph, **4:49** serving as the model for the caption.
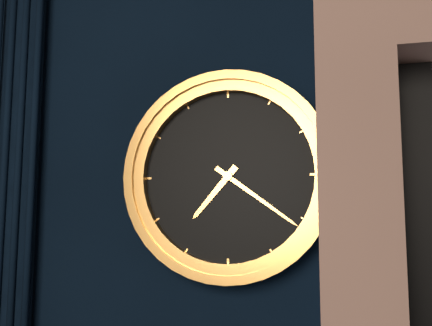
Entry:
**7:21**
